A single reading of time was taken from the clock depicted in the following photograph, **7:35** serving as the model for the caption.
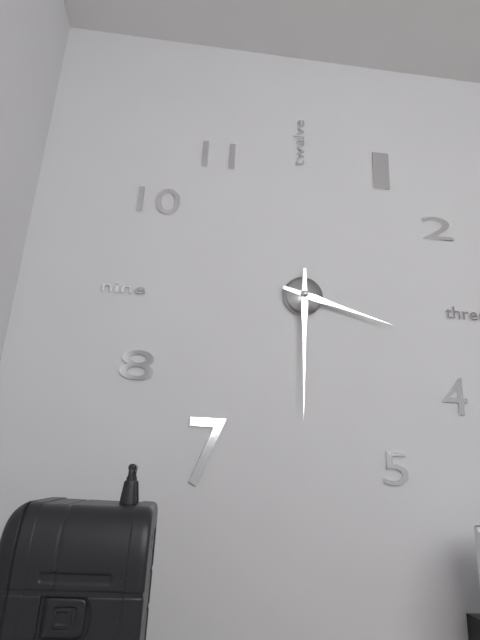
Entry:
**3:30**
